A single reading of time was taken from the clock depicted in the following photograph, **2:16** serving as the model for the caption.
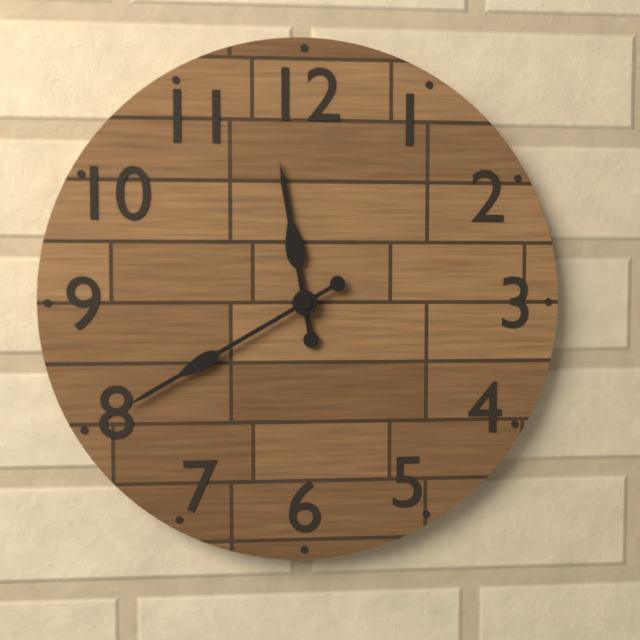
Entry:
**11:40**
